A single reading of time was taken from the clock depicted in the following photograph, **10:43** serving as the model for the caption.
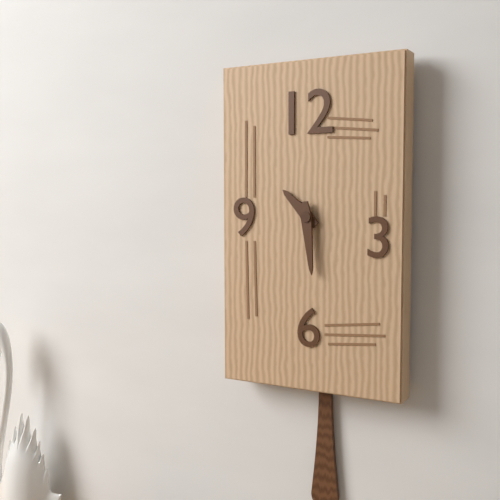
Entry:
**10:29**
